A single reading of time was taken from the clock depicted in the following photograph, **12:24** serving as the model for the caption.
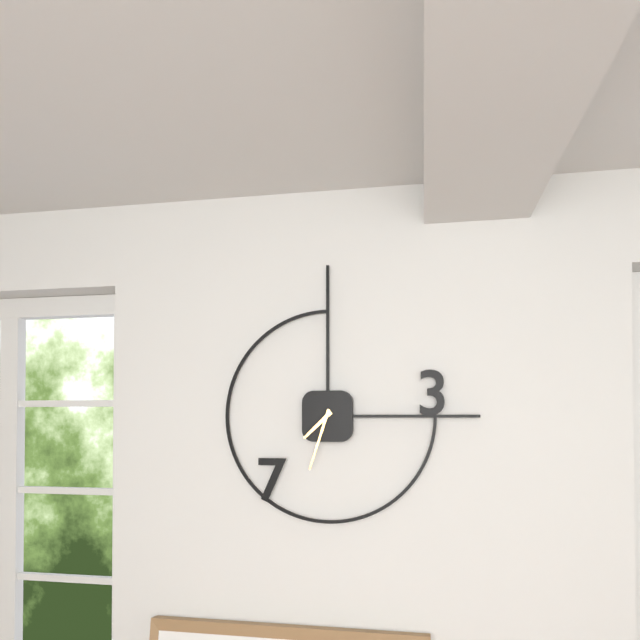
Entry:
**7:33**
